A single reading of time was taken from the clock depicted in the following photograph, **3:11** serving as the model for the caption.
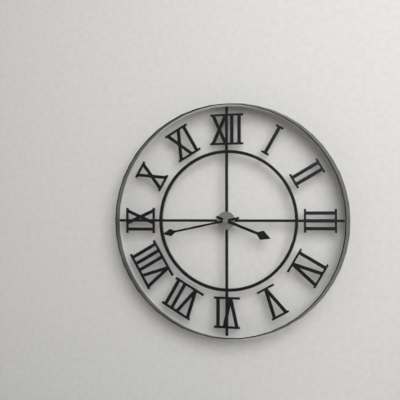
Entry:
**3:43**
